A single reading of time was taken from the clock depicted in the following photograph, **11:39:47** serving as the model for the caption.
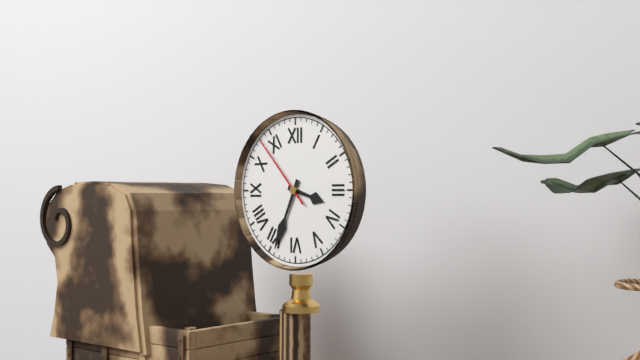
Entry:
**3:34:53**
